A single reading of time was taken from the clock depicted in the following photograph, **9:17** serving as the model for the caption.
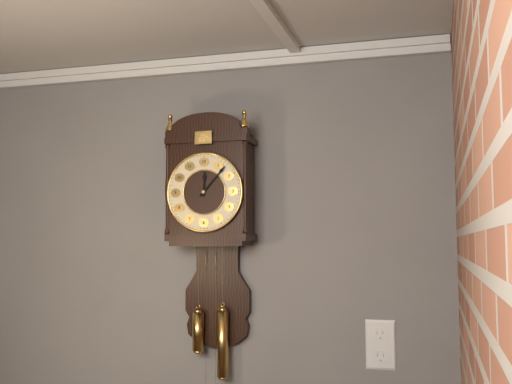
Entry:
**12:07**
